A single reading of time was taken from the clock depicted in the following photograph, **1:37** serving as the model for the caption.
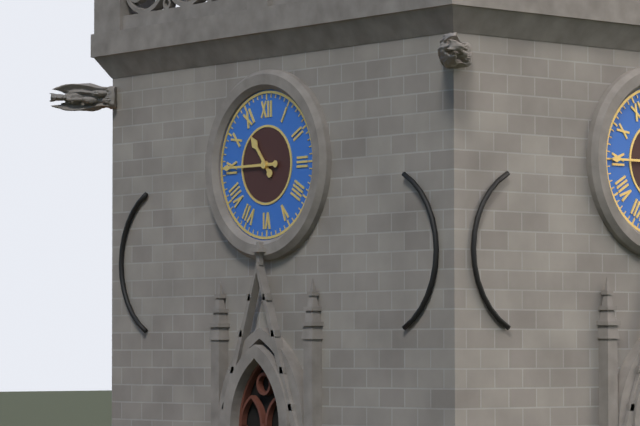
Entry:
**10:45**
